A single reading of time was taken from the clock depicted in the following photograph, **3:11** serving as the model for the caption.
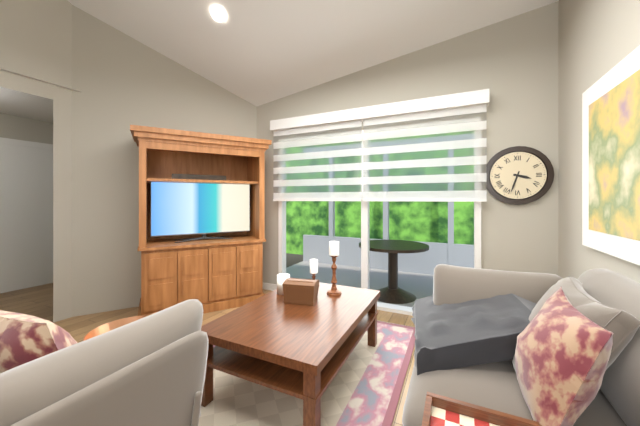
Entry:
**3:33**
